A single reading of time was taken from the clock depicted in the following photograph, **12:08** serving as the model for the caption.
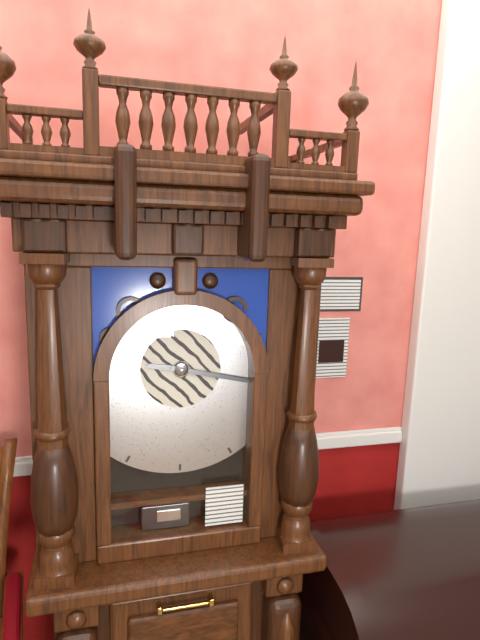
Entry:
**9:17**
